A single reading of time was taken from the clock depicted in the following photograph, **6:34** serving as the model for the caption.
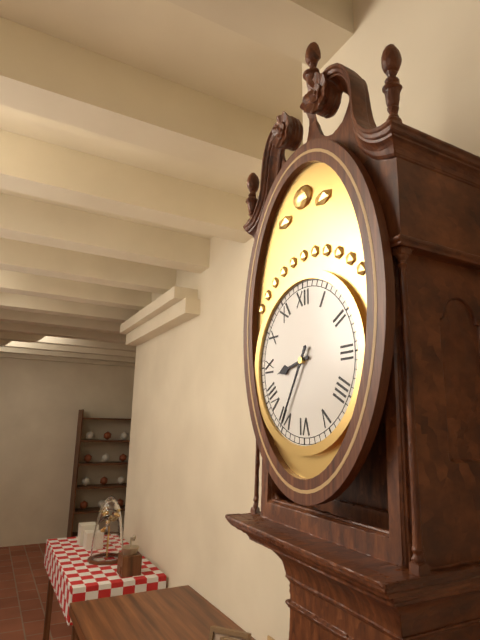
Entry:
**8:35**
